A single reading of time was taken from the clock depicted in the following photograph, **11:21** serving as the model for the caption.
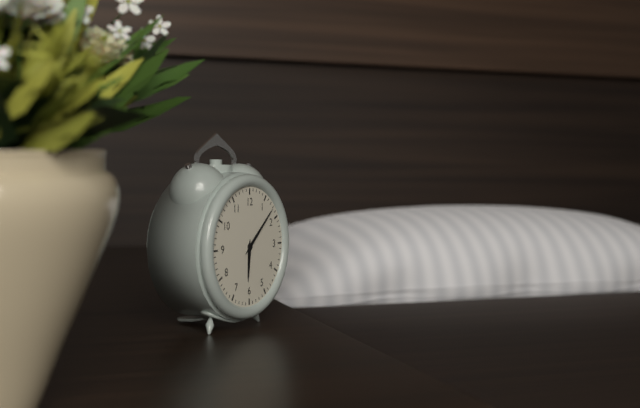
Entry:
**6:08**
